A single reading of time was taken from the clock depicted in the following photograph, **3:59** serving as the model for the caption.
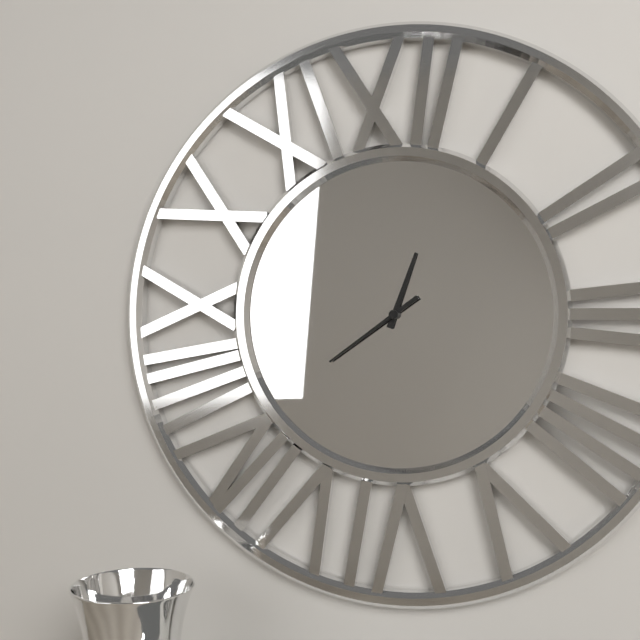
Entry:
**12:39**
